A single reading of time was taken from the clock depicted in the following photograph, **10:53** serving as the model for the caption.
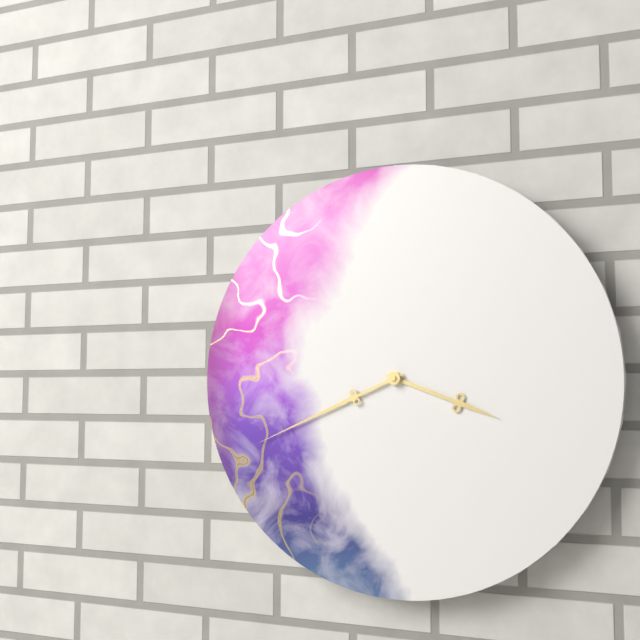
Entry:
**3:41**
